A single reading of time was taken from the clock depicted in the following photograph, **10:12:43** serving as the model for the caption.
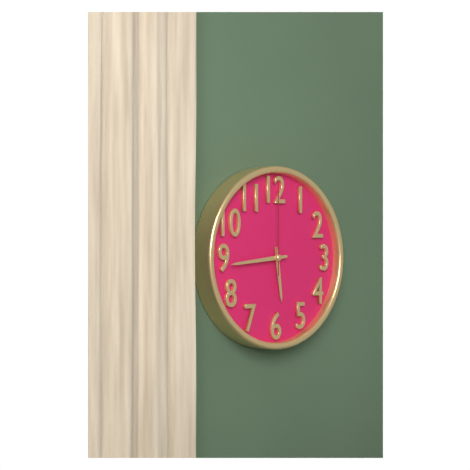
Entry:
**5:44:00**
